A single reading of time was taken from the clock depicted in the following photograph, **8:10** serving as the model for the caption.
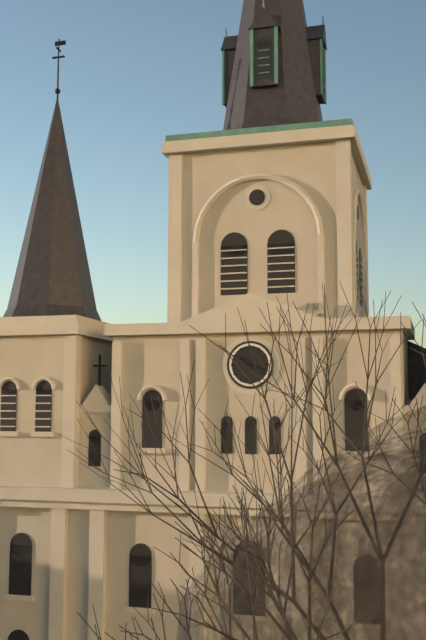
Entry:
**10:18**
